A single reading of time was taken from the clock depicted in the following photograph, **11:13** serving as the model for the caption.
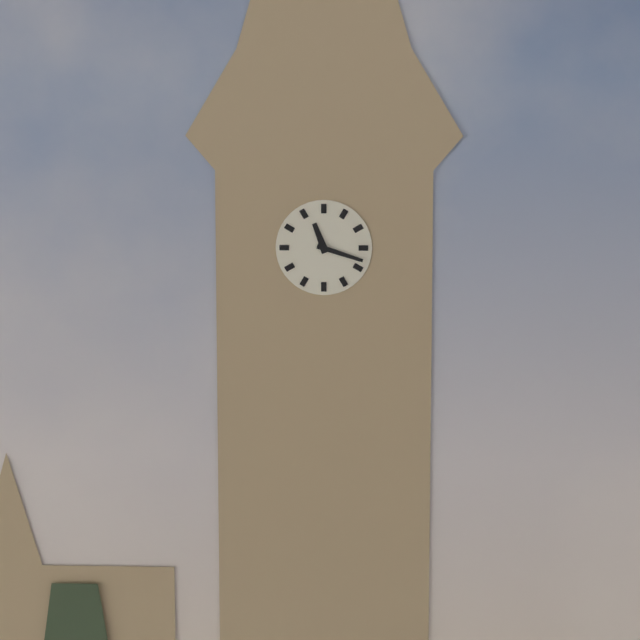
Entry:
**11:18**
